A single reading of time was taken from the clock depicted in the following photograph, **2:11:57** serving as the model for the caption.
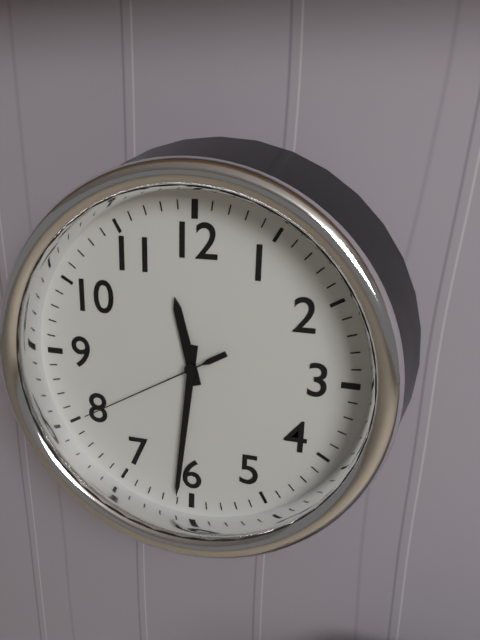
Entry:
**11:31:40**
